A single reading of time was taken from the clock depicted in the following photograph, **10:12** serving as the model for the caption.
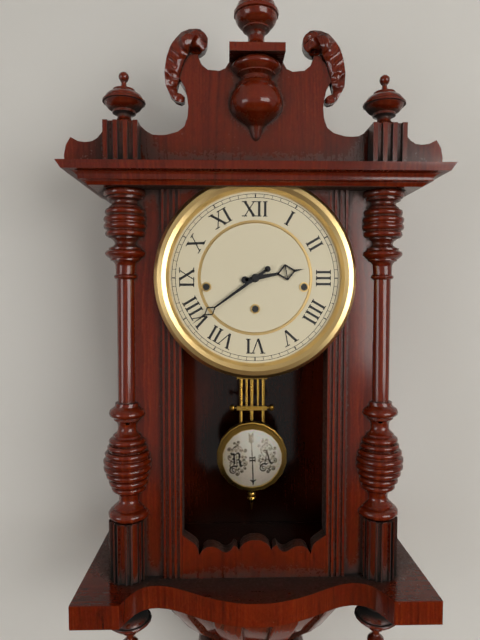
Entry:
**2:39**
